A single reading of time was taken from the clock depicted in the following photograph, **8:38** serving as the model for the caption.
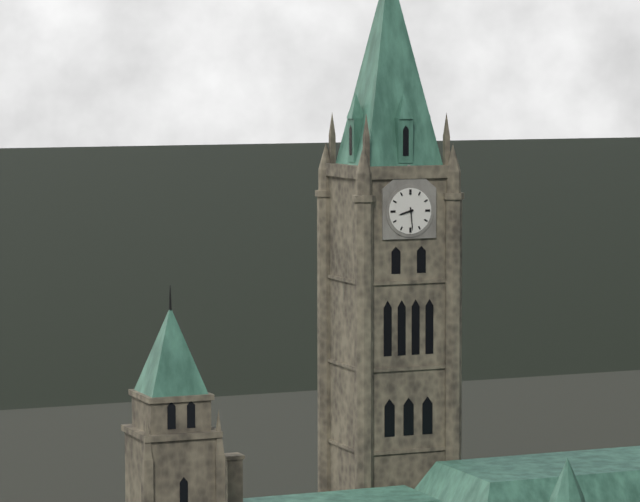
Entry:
**8:29**
